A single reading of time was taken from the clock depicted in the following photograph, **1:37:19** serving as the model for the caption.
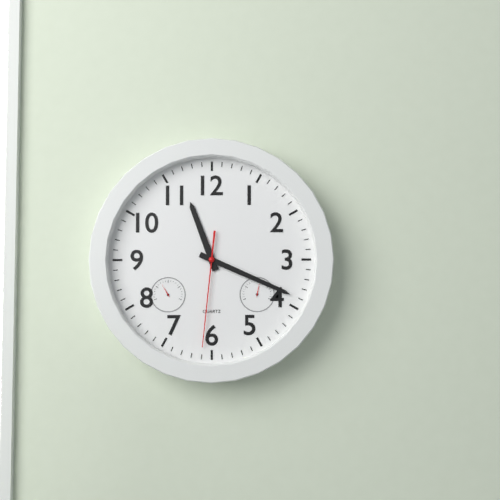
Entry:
**11:19:31**
